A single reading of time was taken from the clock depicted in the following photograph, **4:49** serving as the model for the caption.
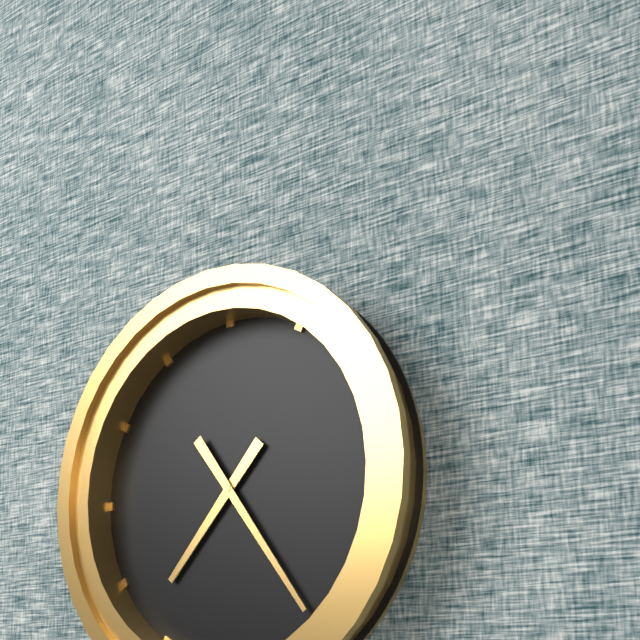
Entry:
**7:24**
